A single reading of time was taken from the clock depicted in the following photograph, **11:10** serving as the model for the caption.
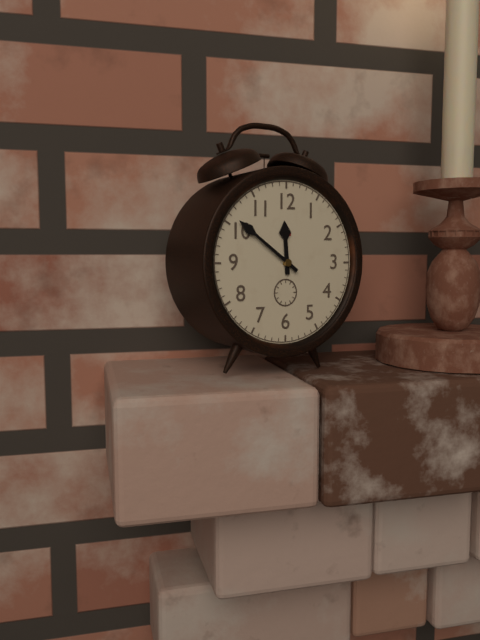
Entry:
**11:51**
